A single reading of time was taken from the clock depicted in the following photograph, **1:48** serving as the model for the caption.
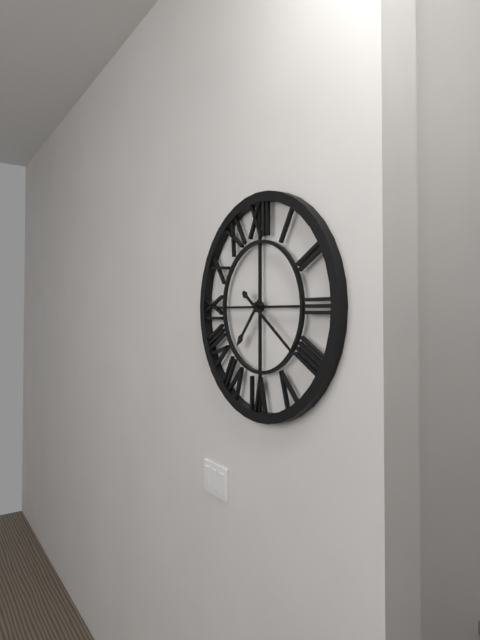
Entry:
**7:21**
